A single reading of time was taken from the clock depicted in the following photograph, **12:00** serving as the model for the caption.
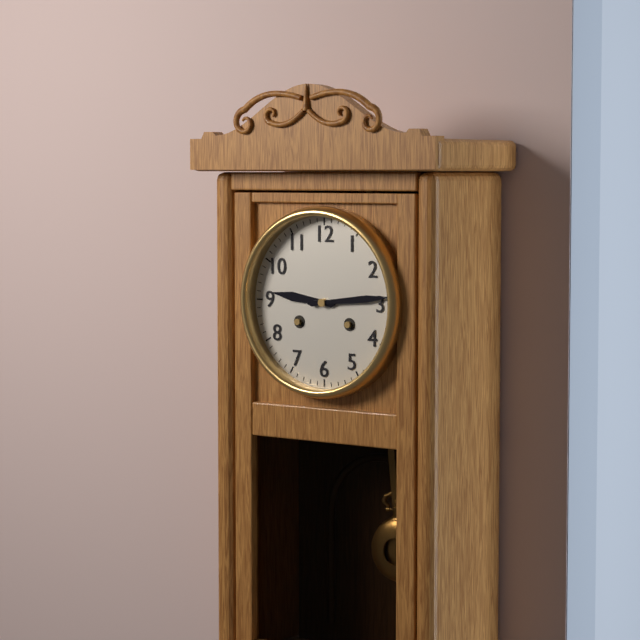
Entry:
**9:14**
